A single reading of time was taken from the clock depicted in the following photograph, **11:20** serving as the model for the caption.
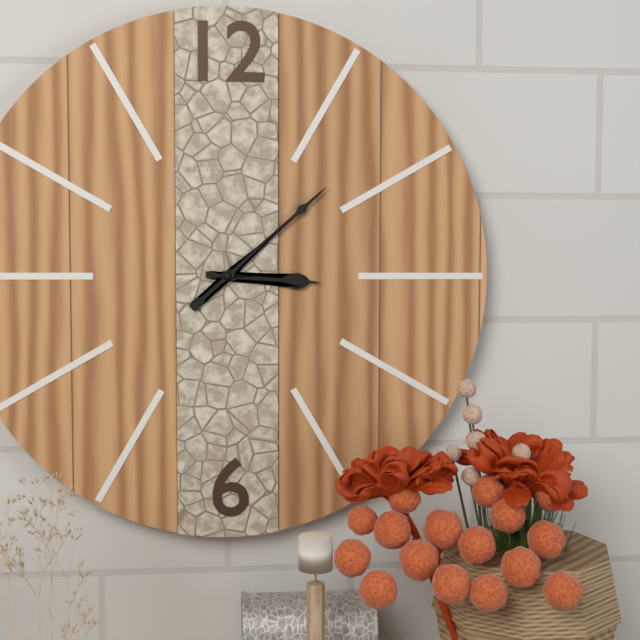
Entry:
**3:08**
